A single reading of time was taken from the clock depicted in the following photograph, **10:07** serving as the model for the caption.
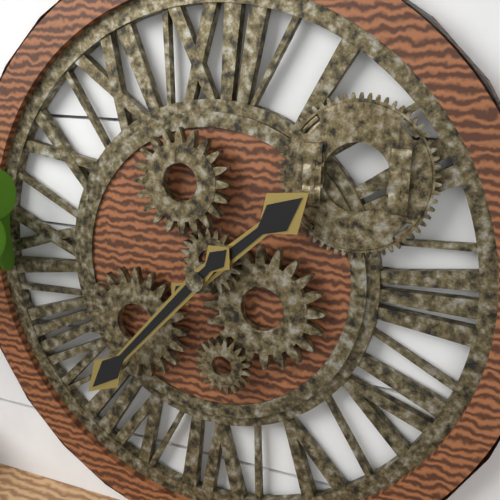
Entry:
**1:37**
